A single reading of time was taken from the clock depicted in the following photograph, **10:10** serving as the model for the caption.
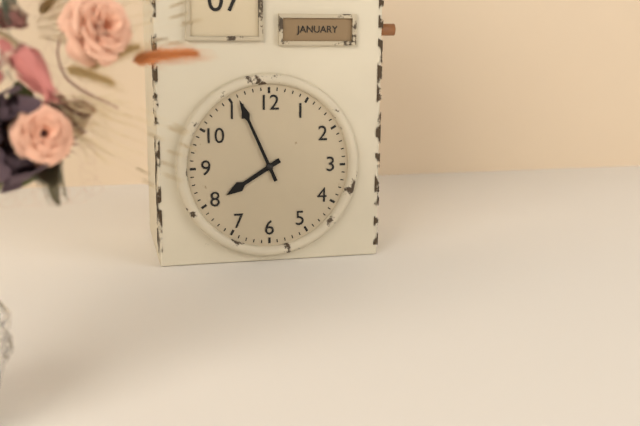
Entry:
**7:56**
